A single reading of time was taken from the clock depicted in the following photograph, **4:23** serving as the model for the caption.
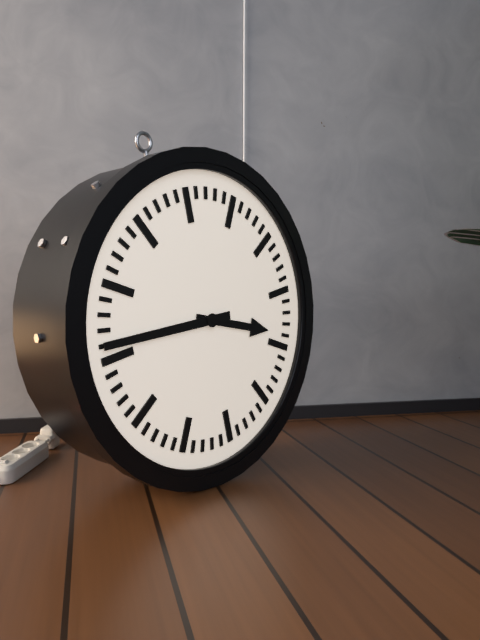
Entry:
**3:46**
